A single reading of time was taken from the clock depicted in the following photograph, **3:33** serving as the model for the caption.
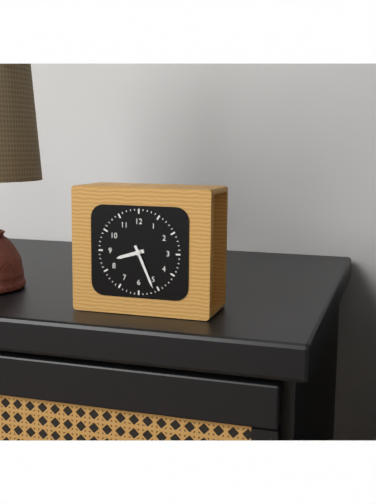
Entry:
**8:26**
